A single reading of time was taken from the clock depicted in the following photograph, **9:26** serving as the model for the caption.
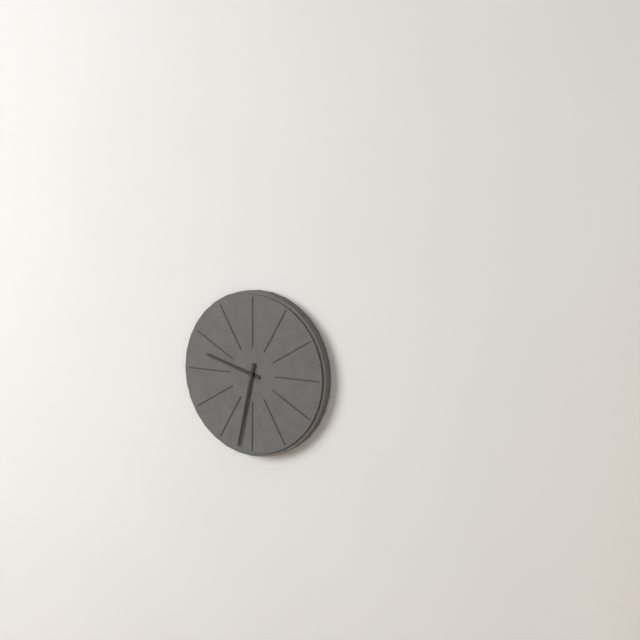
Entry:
**9:32**
